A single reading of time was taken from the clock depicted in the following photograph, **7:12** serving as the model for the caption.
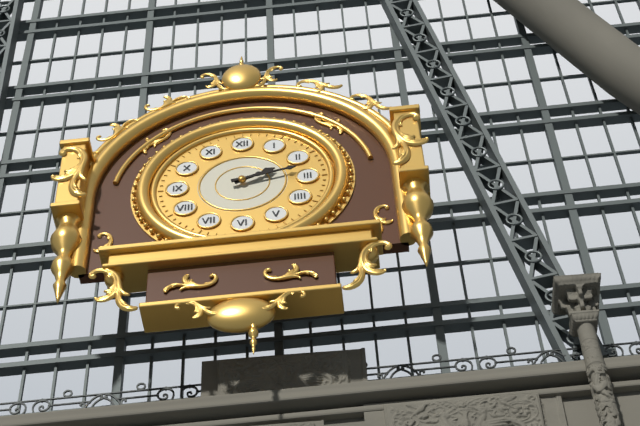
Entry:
**2:13**
